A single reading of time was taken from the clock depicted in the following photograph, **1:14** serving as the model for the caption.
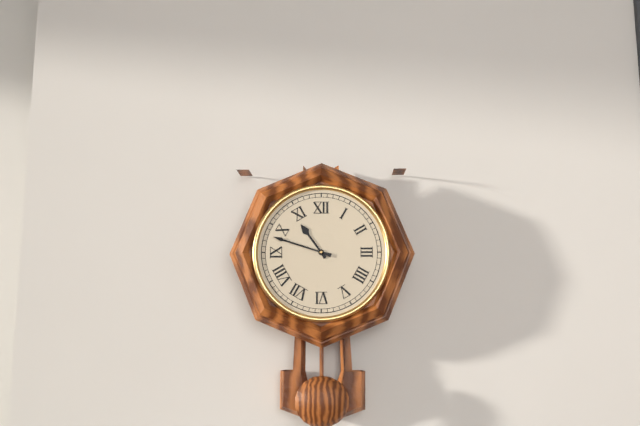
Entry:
**10:48**
